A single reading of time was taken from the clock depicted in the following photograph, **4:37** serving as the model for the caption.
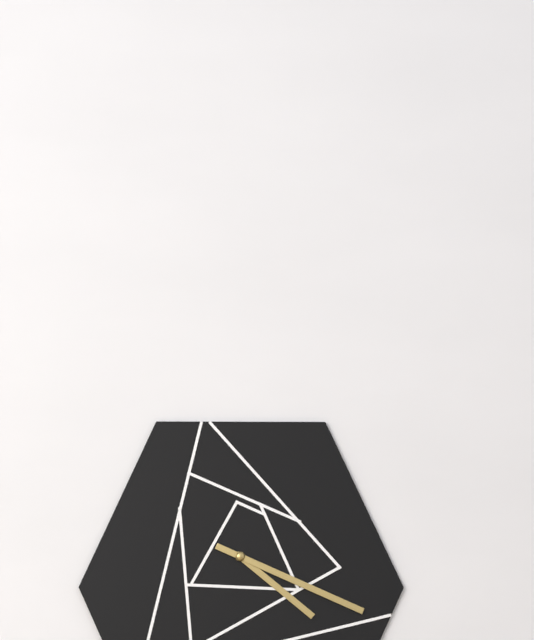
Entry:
**4:19**
